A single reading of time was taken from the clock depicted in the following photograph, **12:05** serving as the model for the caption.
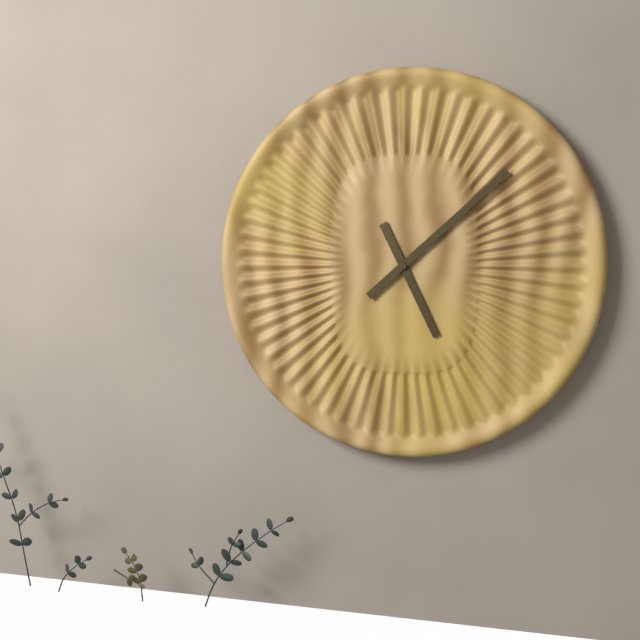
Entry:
**5:08**
